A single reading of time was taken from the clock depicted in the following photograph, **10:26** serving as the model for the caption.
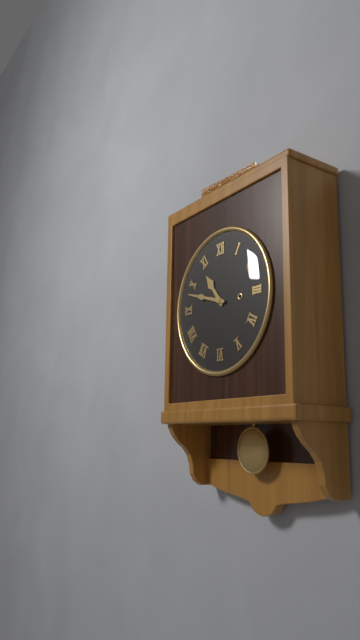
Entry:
**10:48**
